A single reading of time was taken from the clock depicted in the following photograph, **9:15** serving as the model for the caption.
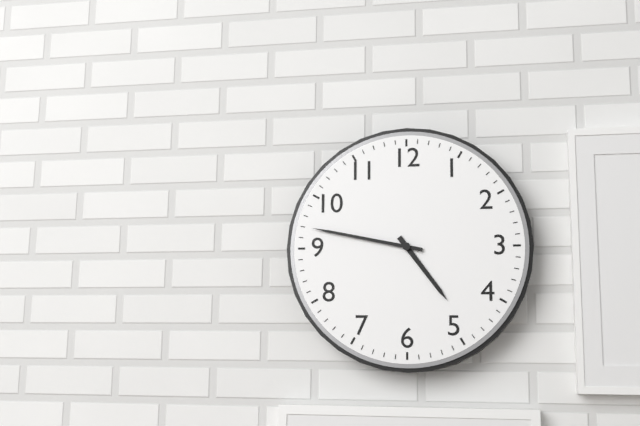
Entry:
**4:47**
